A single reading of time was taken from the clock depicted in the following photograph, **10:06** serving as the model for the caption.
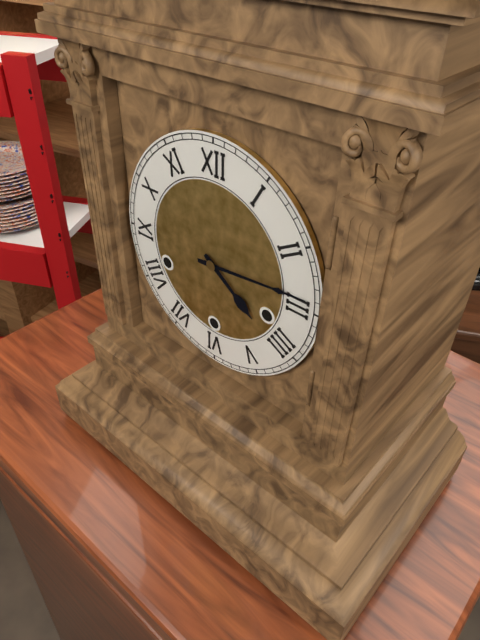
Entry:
**4:14**
